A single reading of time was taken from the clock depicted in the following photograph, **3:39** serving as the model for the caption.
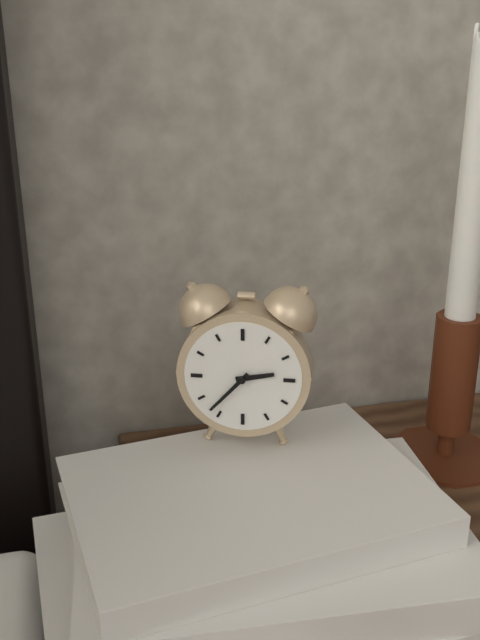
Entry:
**2:37**
